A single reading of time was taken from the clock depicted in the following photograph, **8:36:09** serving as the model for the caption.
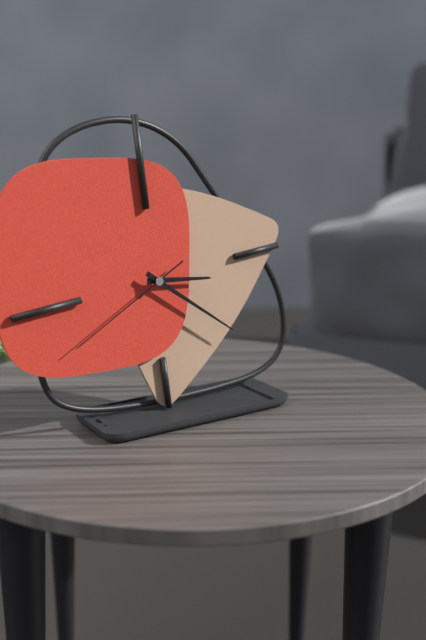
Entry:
**3:22:41**
